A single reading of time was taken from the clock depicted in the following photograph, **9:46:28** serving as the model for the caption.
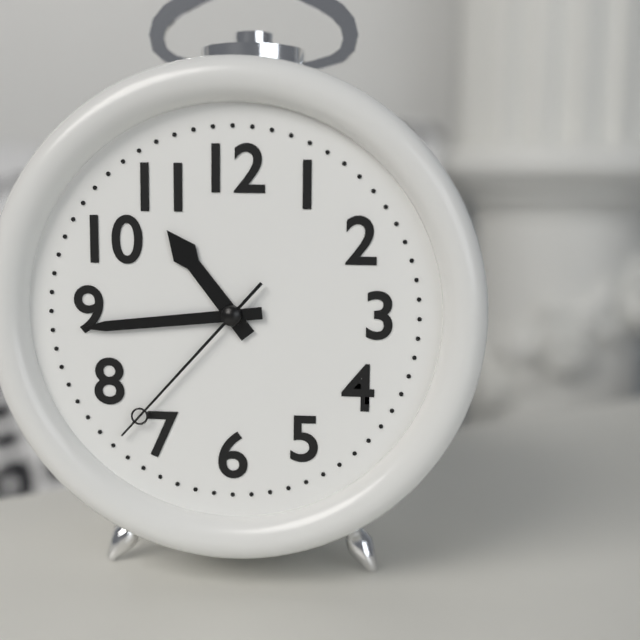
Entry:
**10:44:37**
